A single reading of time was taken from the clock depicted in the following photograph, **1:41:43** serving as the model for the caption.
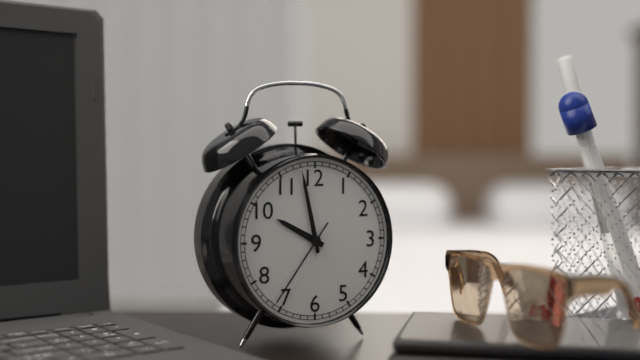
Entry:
**9:58:36**
